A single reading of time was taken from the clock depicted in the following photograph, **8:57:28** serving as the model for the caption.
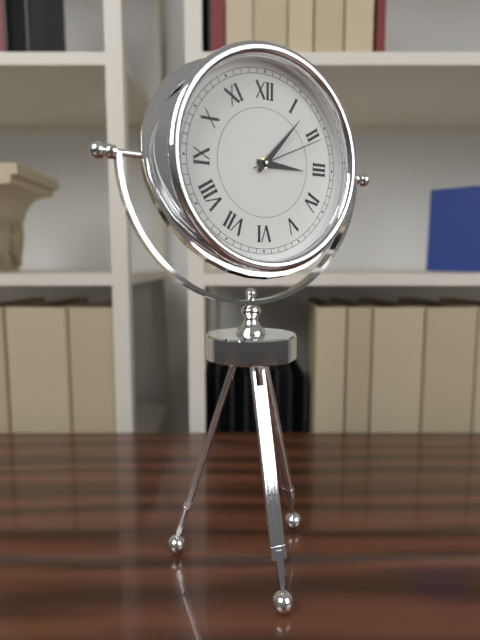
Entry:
**3:07:11**
